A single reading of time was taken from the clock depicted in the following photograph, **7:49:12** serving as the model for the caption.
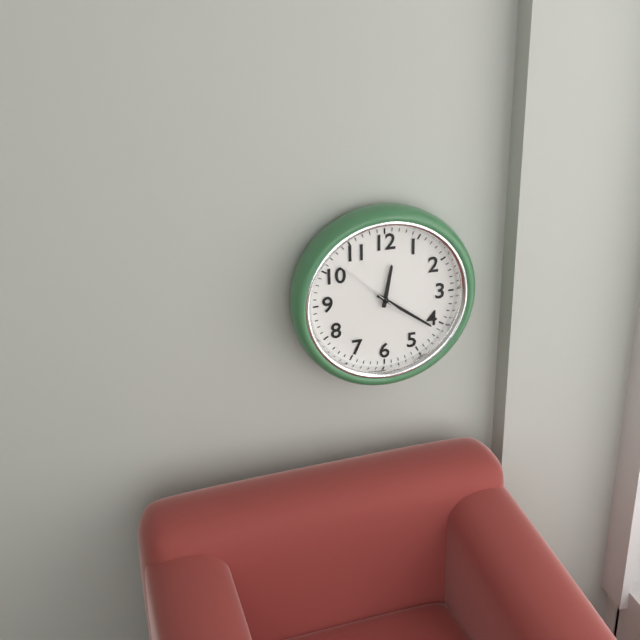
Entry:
**12:21:52**
